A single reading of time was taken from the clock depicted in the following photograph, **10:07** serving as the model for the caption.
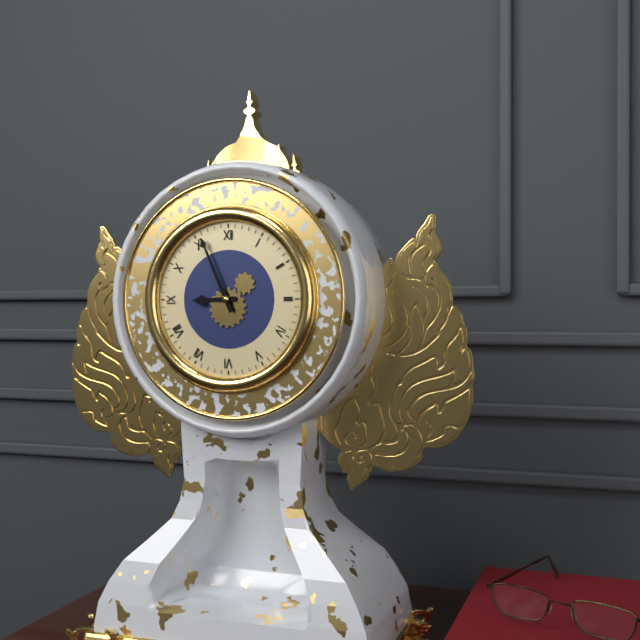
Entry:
**8:56**
